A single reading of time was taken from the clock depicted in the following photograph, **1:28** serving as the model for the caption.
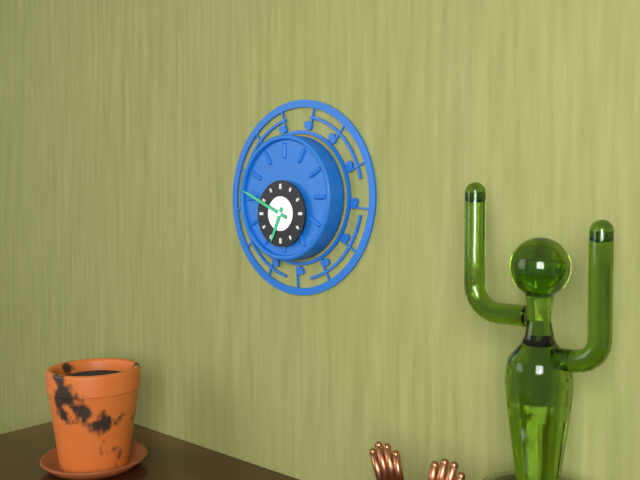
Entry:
**6:49**
